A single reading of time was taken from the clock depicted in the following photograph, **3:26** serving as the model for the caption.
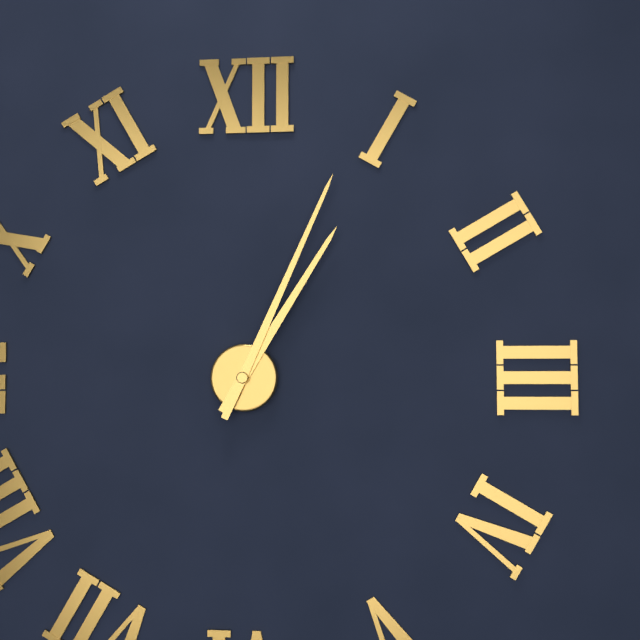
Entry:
**1:04**
